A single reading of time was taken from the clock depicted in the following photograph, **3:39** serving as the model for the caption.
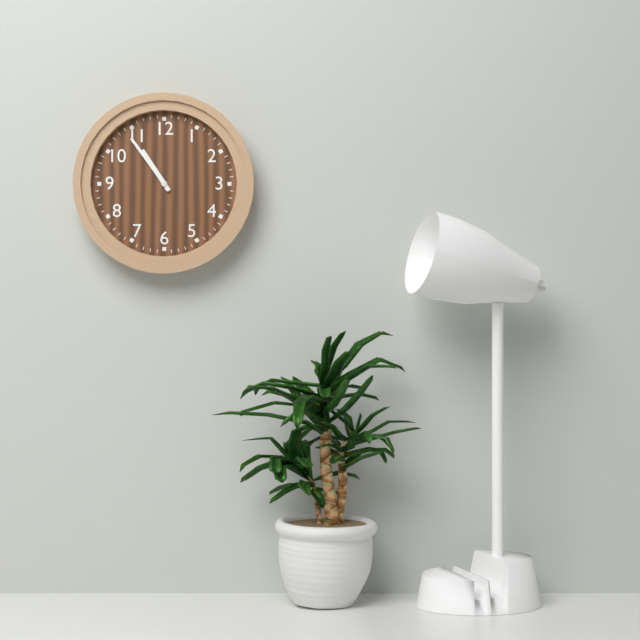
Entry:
**10:54**
